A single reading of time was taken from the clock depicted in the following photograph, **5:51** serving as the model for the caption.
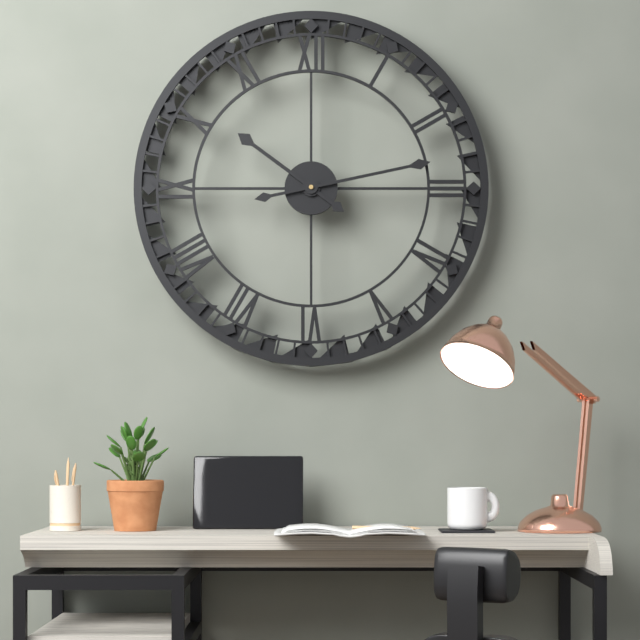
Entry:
**10:13**
